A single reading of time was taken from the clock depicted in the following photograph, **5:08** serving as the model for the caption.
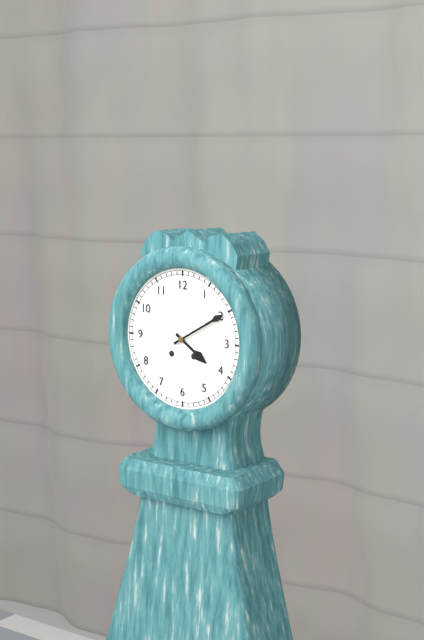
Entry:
**4:10**
